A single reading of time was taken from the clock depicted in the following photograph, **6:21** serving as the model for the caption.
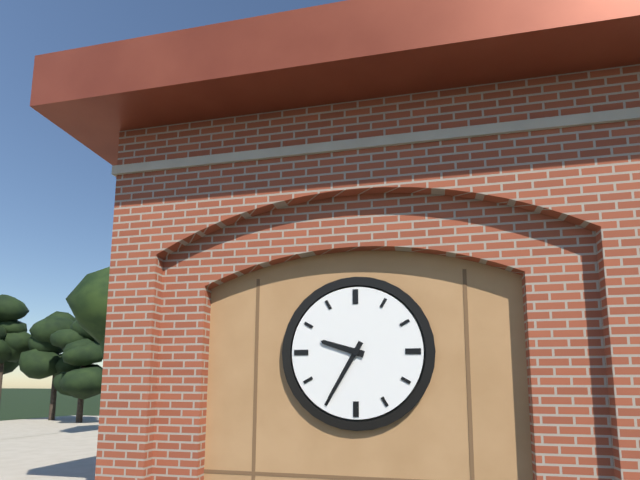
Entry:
**9:35**
